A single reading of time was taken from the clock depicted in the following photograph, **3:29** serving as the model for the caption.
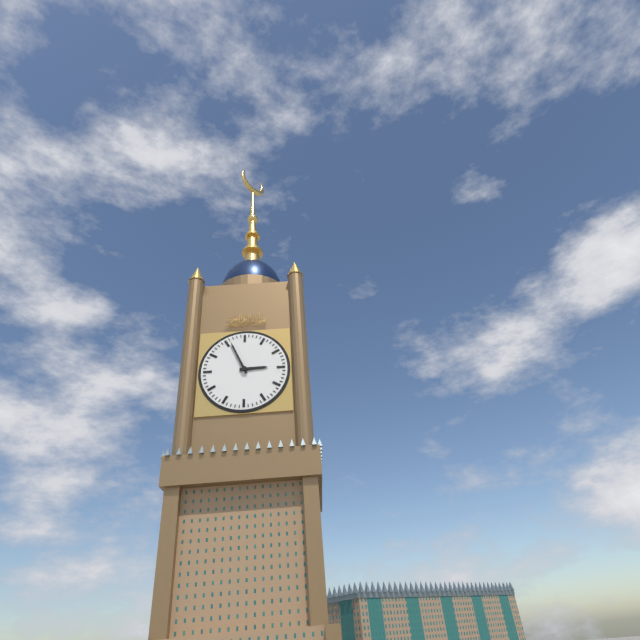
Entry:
**2:56**
